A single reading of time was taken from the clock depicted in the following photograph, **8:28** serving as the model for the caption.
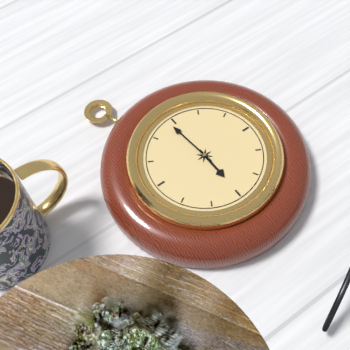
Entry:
**5:59**
